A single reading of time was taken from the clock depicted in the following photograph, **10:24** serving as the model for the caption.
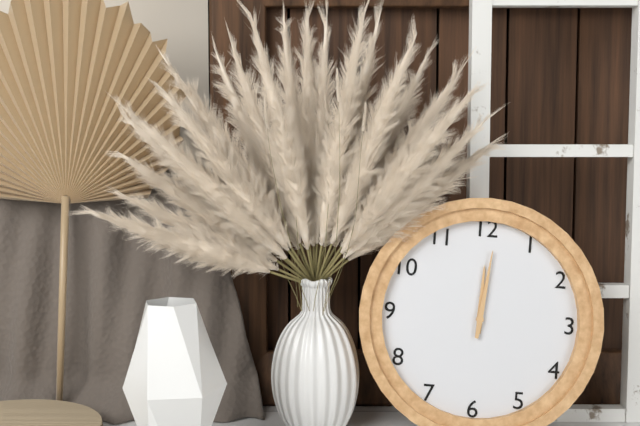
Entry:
**12:01**
